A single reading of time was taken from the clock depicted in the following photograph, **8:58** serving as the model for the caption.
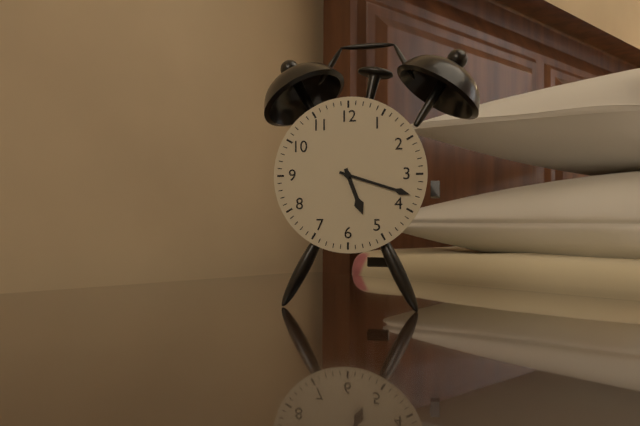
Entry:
**5:18**
